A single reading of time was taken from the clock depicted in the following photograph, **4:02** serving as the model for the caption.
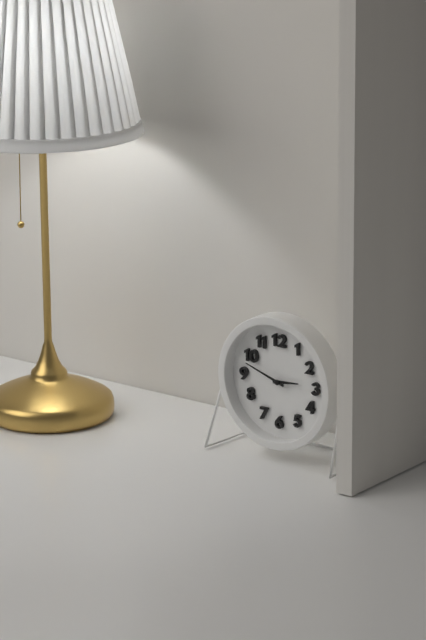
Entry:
**2:48**
